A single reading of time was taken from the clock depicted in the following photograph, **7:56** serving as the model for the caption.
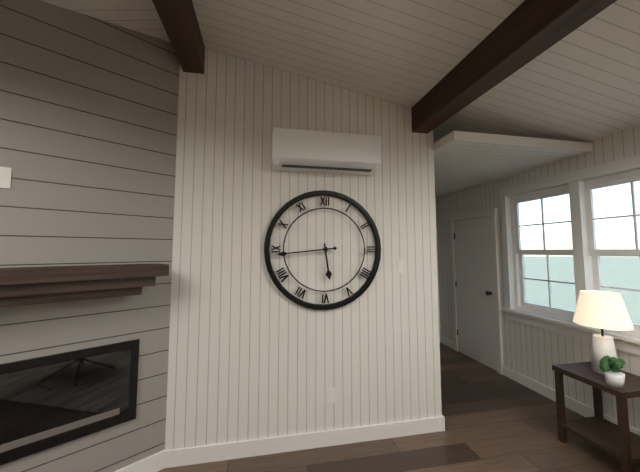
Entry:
**5:44**
